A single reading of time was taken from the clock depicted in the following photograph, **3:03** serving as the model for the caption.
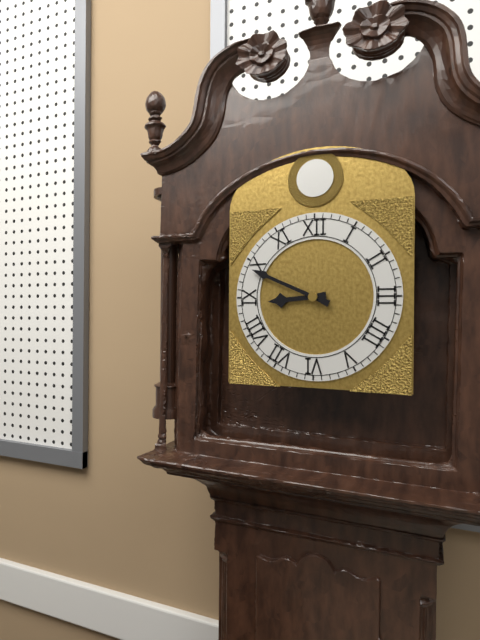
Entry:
**8:49**
